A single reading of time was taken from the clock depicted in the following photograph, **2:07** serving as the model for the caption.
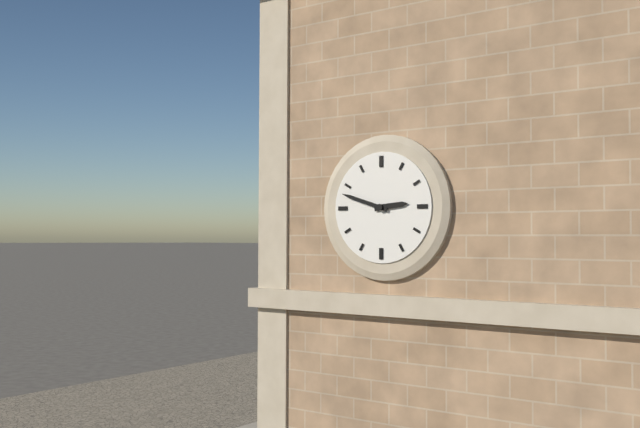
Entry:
**2:48**
